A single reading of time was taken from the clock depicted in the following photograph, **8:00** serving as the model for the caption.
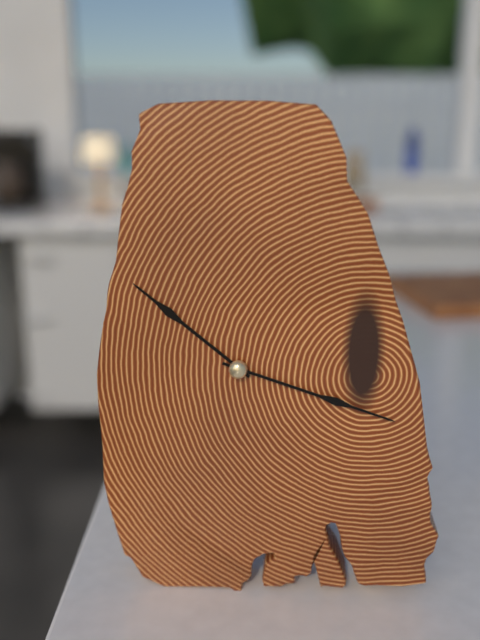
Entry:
**10:18**
